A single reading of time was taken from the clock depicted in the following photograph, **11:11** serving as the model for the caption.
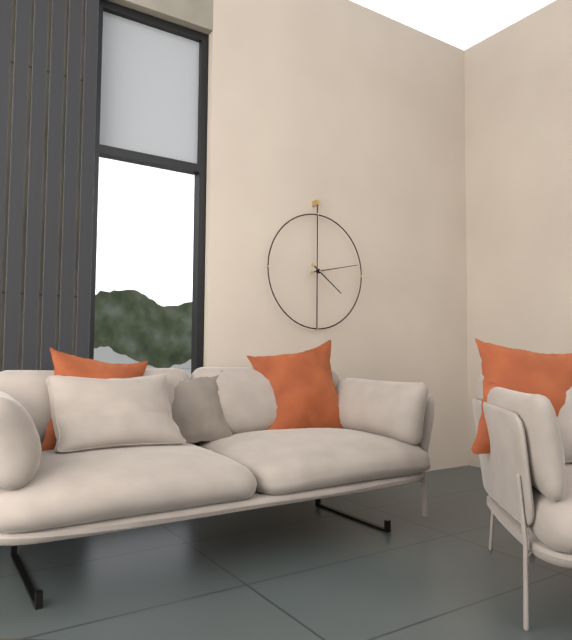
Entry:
**4:13**
